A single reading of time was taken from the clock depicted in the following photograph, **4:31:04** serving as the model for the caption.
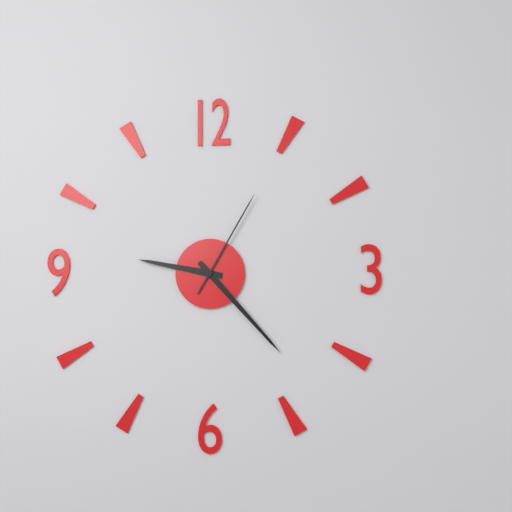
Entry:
**9:23:05**
